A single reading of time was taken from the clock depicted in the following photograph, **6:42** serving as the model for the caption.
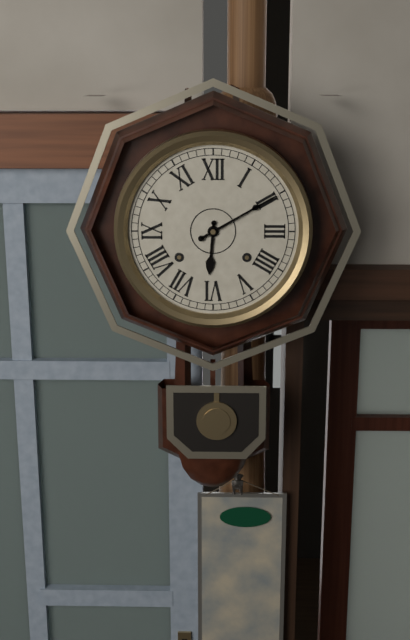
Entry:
**6:10**
